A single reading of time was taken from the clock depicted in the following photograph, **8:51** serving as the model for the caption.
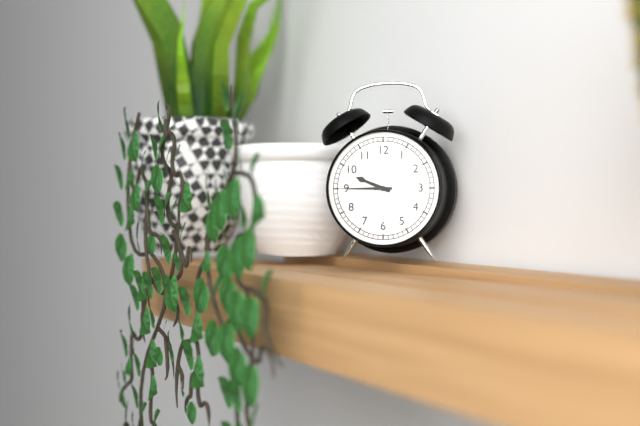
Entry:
**9:45**
